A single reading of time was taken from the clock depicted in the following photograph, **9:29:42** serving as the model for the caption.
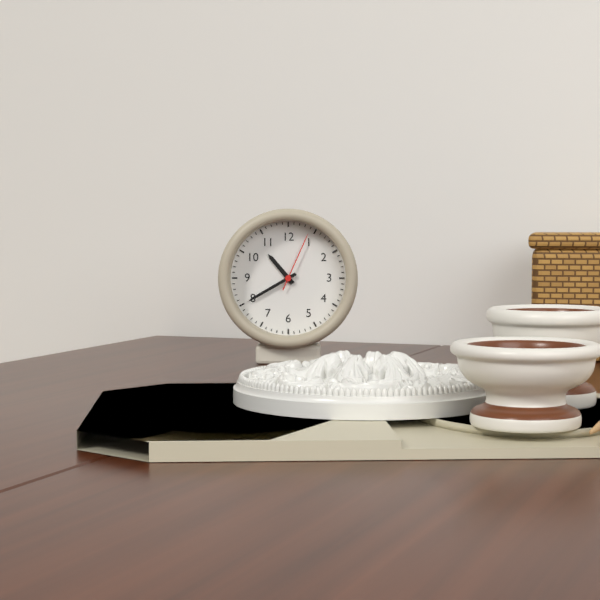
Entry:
**10:40:04**
